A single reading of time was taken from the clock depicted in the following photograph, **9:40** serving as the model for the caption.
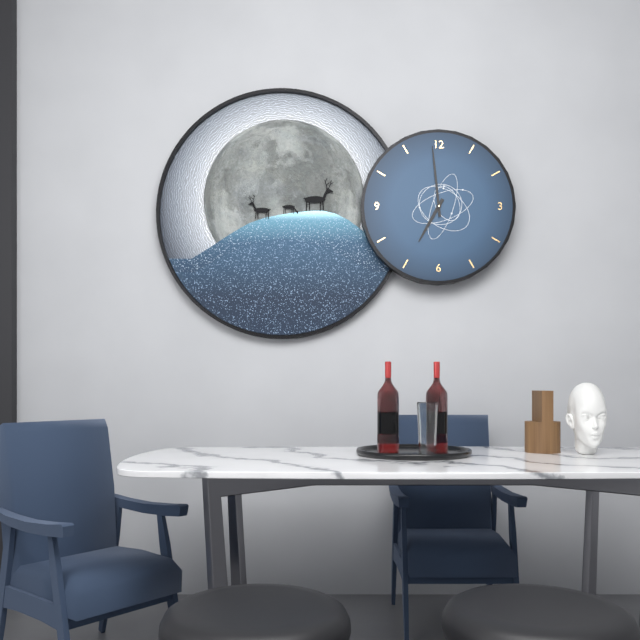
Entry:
**6:59**
